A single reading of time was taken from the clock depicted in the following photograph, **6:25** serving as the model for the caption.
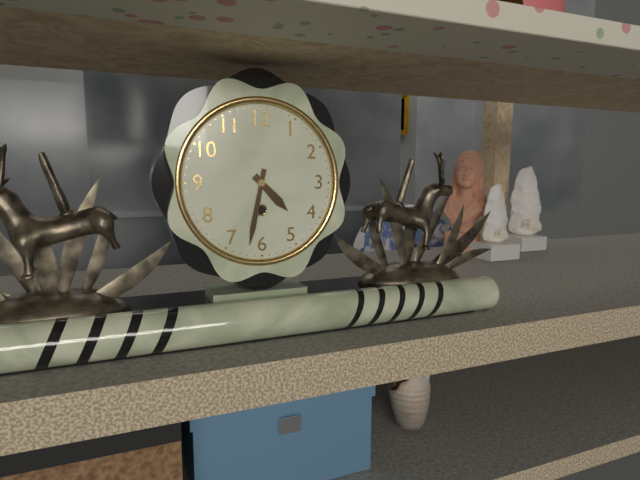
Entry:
**4:32**
